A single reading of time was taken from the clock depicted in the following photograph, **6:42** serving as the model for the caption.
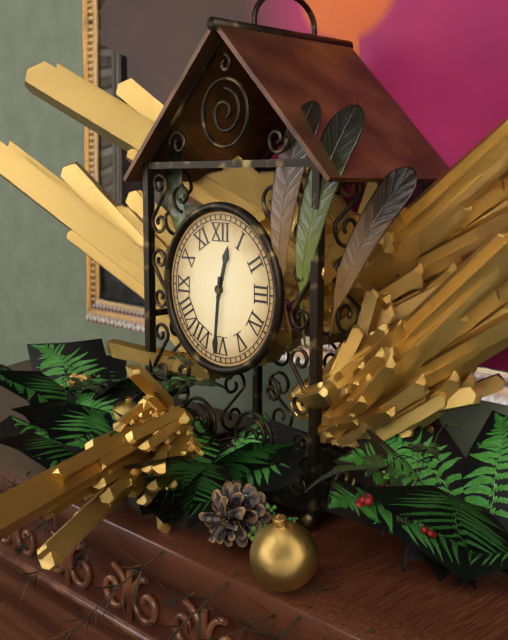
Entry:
**12:31**
